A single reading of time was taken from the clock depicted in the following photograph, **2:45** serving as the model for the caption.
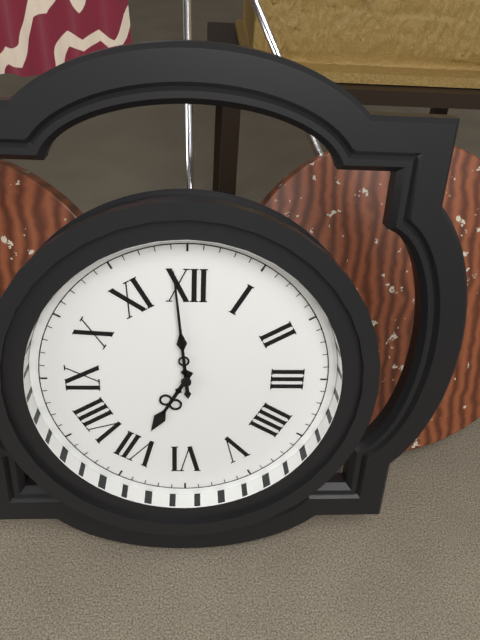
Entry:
**6:59**
